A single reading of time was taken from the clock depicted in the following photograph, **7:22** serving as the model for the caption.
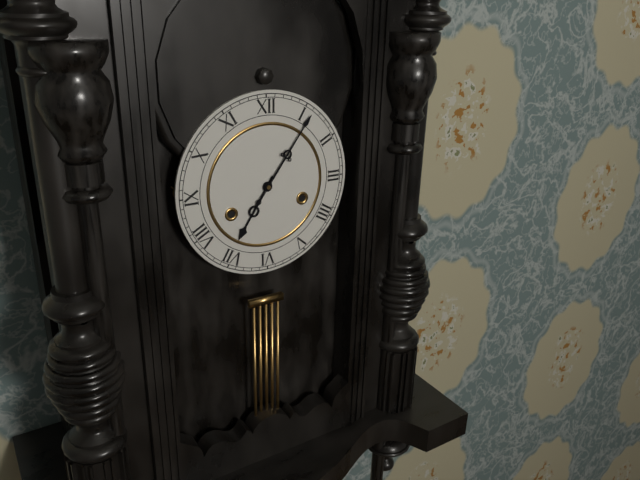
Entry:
**7:06**
